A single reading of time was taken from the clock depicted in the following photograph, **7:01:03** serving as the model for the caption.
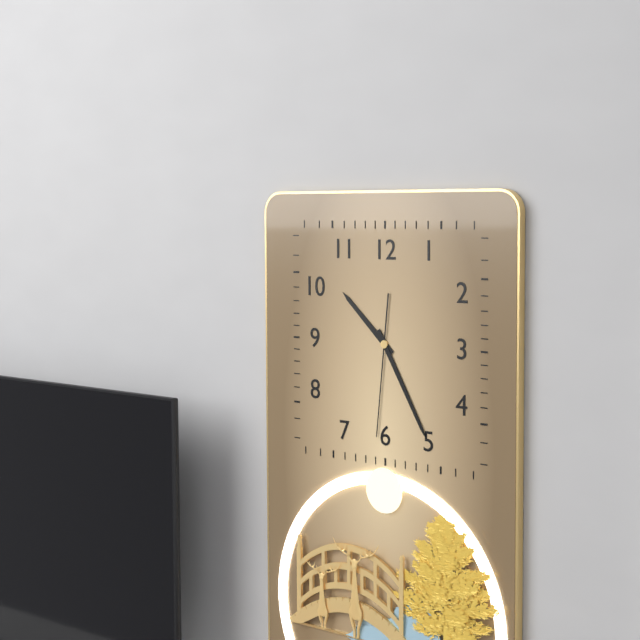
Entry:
**10:25:31**
